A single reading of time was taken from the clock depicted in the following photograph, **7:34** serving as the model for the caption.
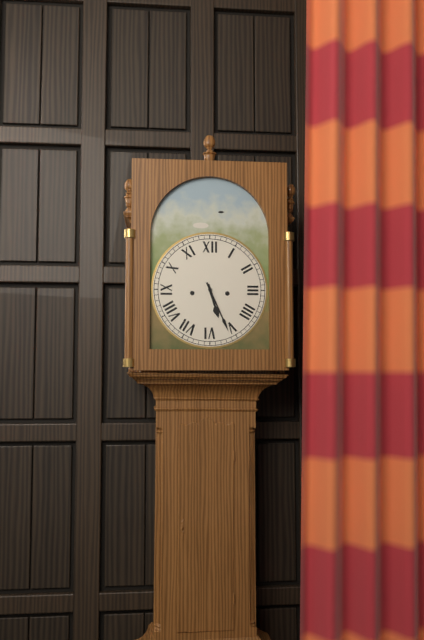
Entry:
**5:26**
